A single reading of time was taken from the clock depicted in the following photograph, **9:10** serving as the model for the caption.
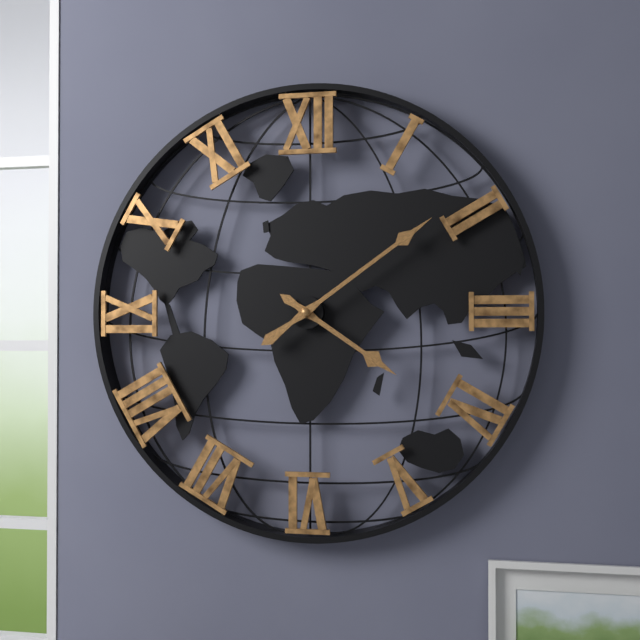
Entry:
**4:09**
